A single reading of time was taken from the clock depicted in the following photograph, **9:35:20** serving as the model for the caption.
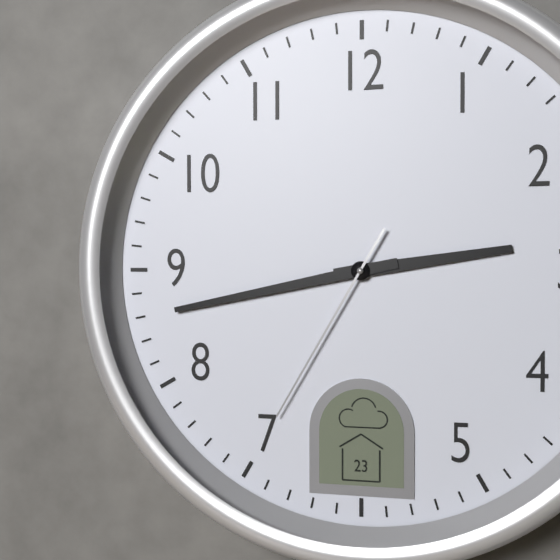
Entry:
**2:43:35**
